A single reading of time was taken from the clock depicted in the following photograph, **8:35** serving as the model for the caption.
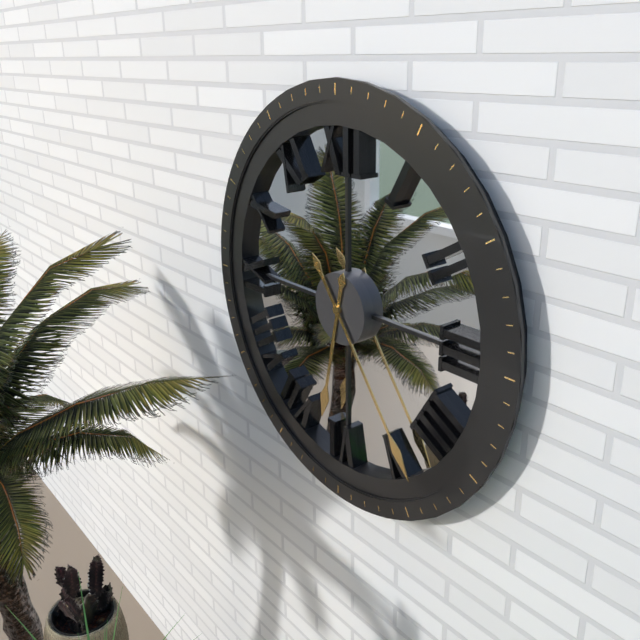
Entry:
**6:24**
